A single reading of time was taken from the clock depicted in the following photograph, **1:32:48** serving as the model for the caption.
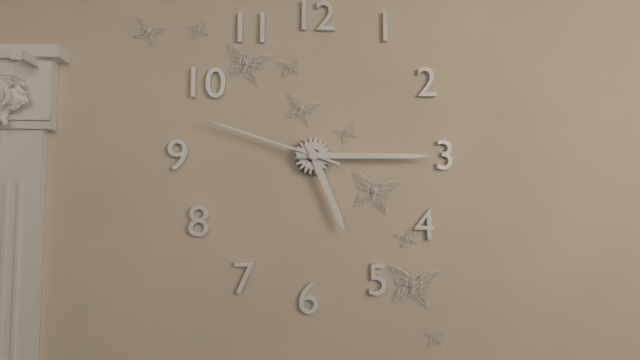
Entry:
**5:15:48**
